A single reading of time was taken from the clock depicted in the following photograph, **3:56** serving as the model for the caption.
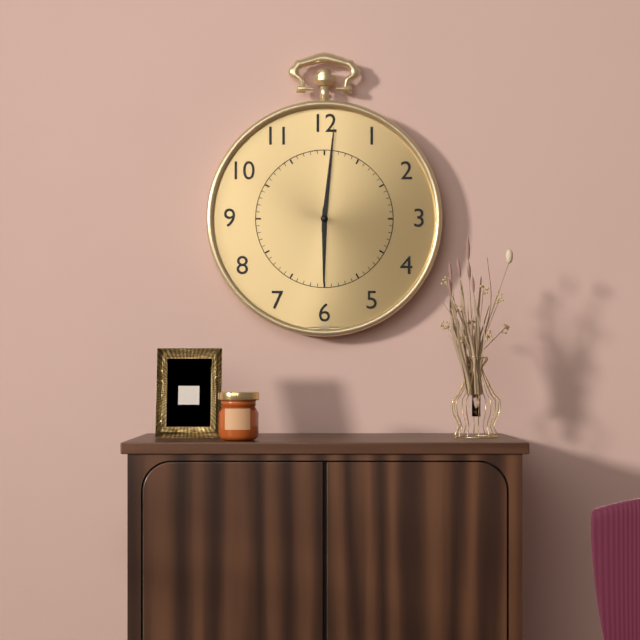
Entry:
**6:01**
